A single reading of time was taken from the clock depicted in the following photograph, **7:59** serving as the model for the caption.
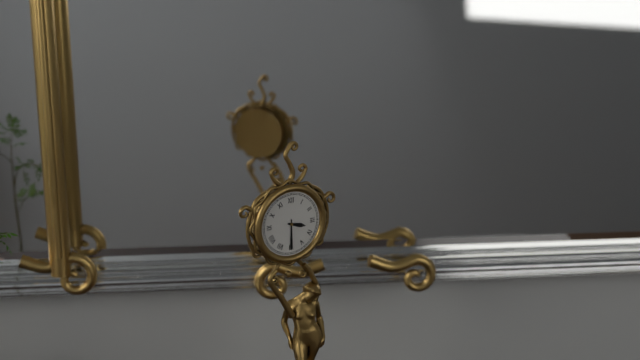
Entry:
**3:30**
